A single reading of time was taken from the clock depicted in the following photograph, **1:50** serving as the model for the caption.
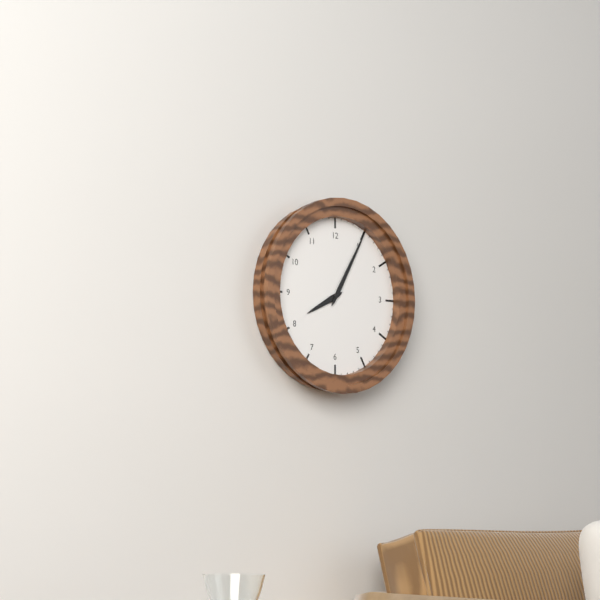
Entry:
**8:05**
